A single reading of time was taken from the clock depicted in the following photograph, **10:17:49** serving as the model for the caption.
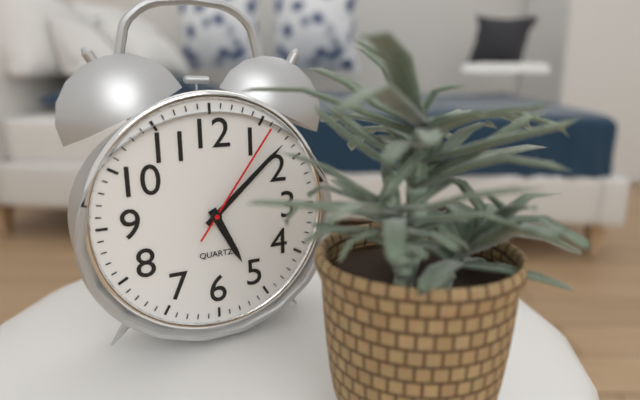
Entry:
**5:08:06**
